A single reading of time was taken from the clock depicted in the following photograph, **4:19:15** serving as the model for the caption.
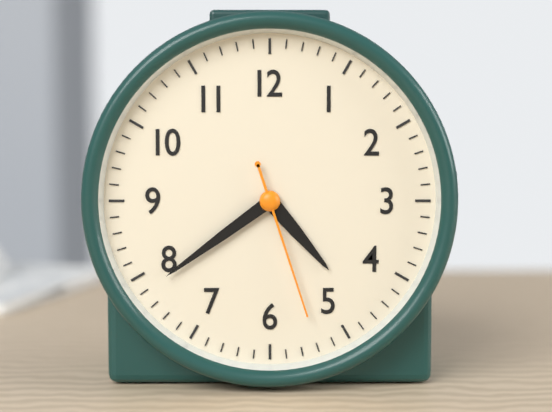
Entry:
**4:39:27**
